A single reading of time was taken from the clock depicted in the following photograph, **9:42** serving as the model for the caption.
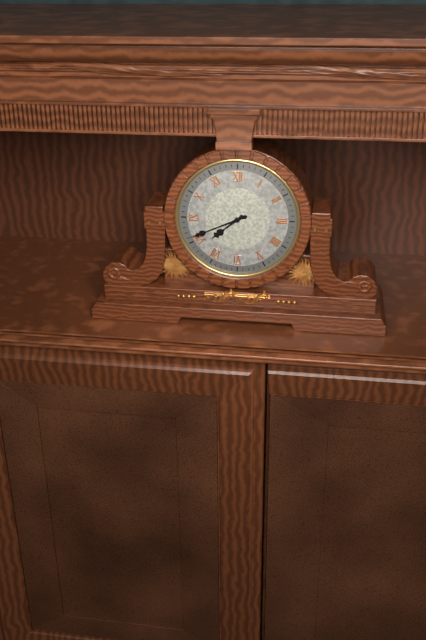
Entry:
**7:41**
